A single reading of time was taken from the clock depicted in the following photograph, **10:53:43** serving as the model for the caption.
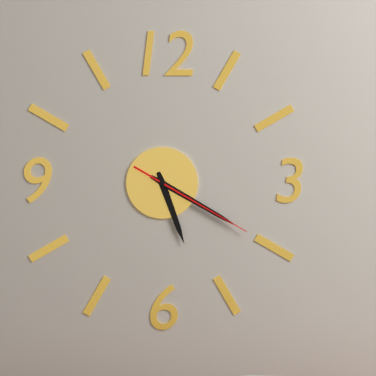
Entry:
**5:20:20**
